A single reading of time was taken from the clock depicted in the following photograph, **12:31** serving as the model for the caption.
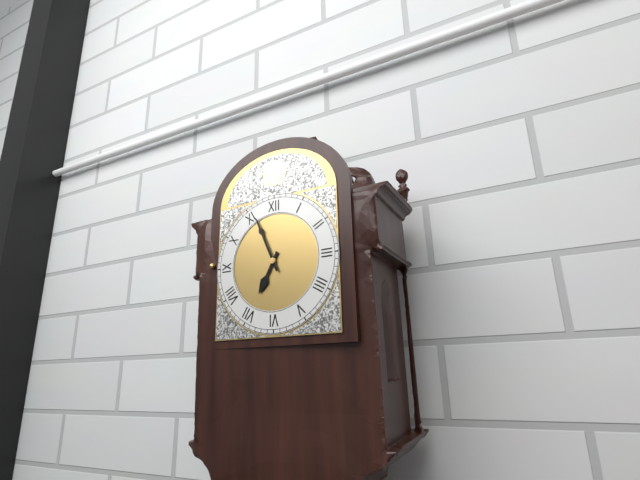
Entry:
**6:56**
